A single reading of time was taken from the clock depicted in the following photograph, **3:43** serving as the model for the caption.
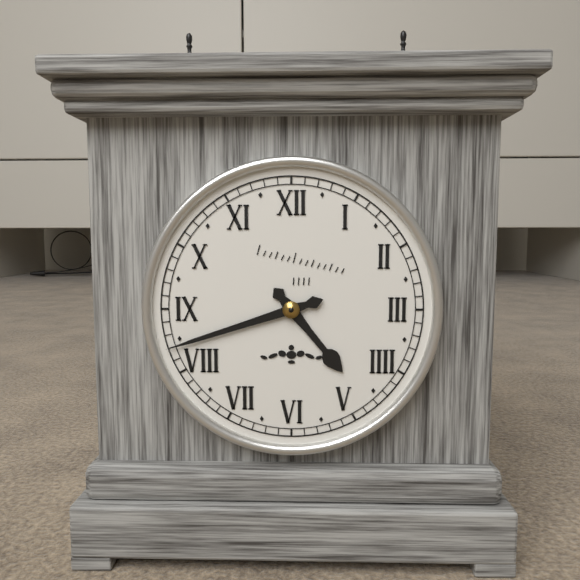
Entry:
**4:42**
